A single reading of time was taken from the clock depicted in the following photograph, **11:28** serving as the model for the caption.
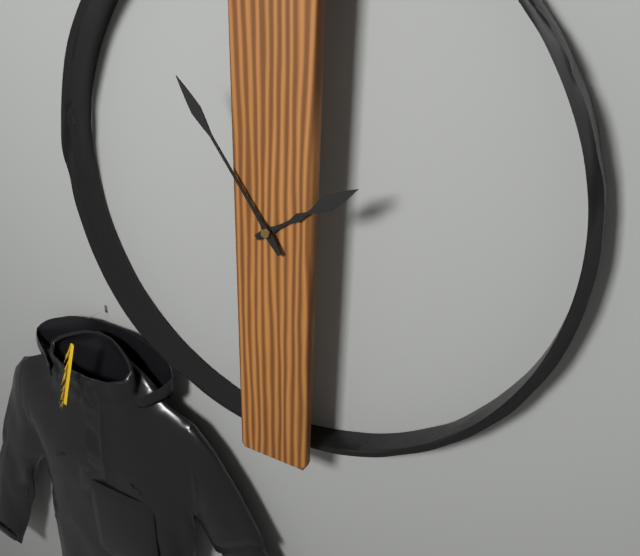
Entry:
**1:54**
